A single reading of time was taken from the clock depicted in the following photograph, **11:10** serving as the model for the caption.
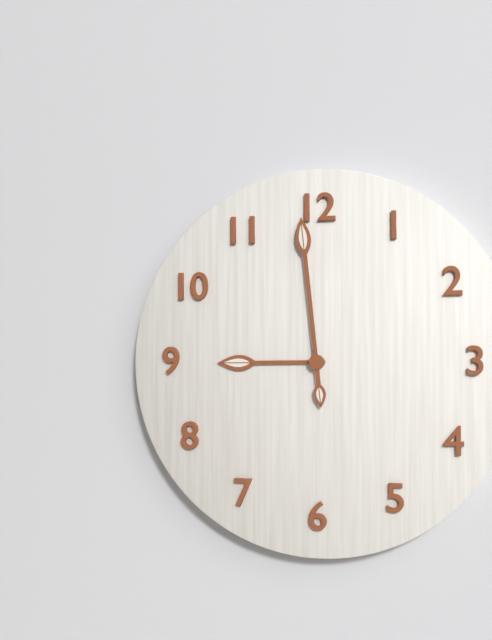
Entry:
**8:59**
